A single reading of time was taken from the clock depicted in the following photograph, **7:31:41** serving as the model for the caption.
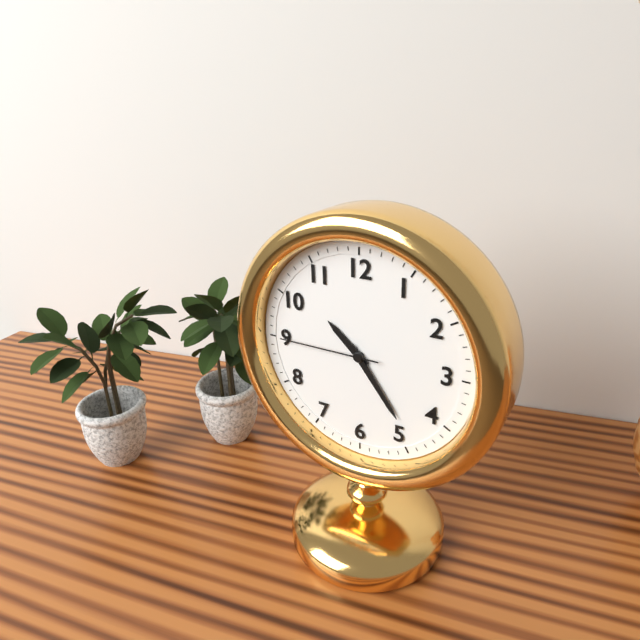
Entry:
**10:24:45**
